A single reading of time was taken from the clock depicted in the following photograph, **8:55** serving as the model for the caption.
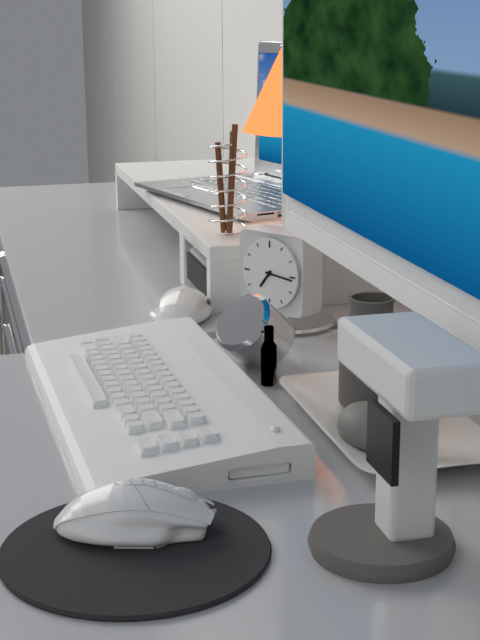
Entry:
**7:16**
